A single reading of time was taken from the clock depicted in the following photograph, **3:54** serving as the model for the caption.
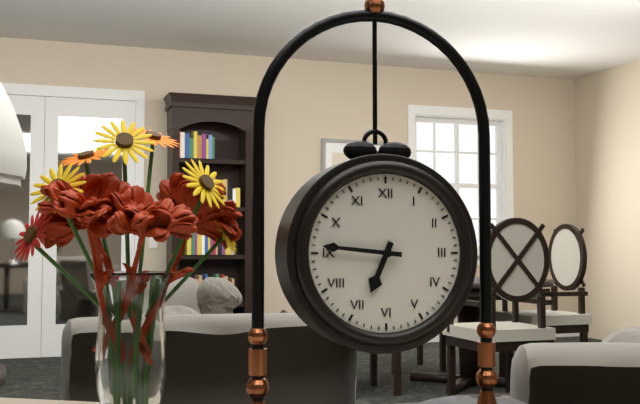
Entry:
**6:46**
